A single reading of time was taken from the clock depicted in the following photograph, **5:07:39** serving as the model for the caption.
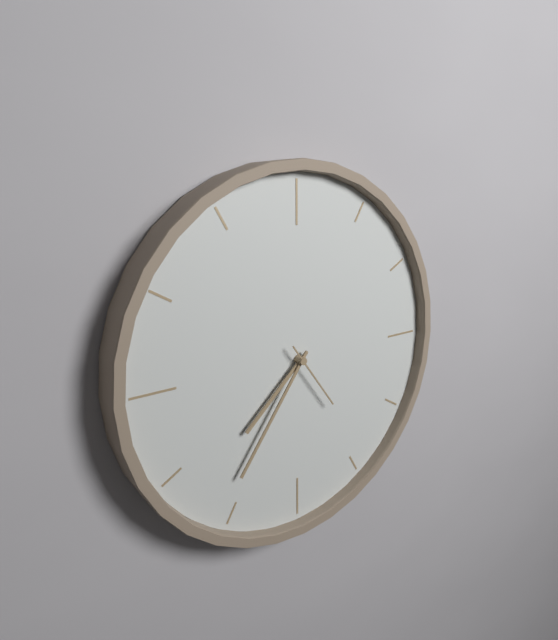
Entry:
**7:36:24**
